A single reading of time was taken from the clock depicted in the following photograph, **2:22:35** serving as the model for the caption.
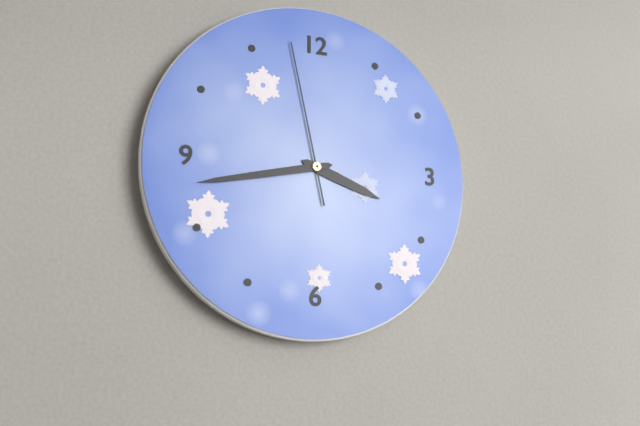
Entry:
**3:43:58**
